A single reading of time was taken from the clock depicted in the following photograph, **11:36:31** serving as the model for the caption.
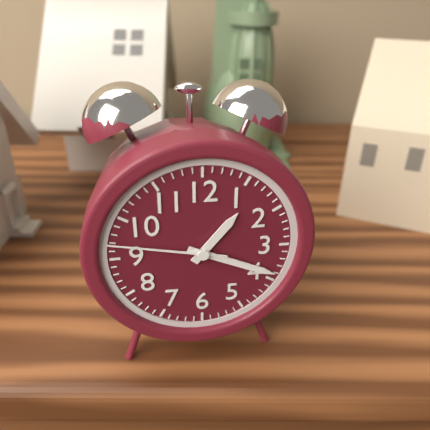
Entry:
**1:19:47**
